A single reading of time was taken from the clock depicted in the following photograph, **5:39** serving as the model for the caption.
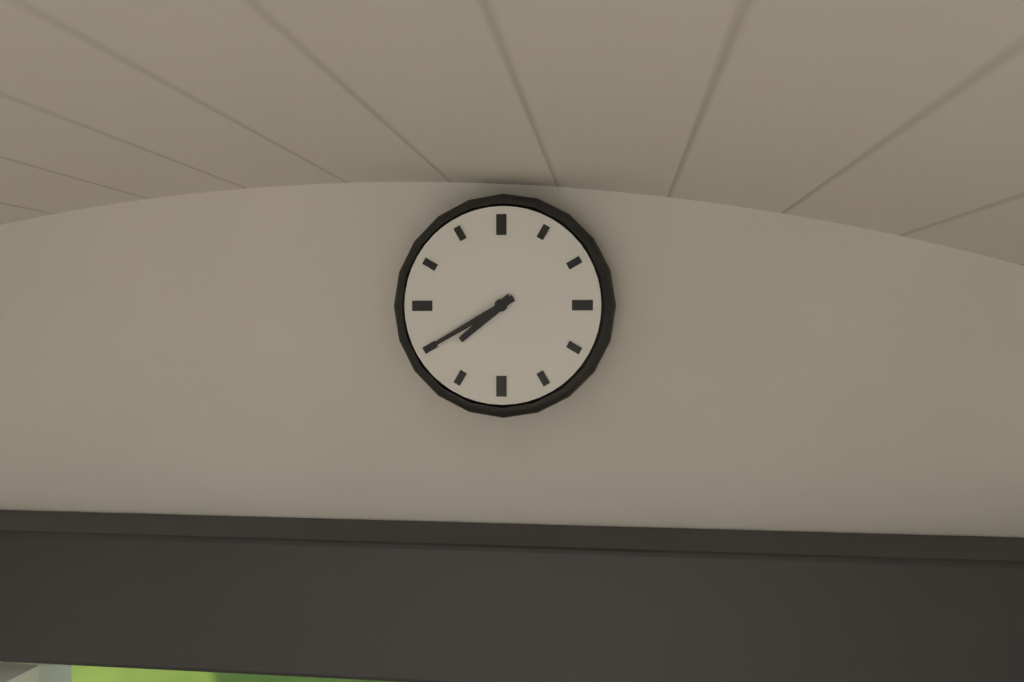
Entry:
**7:40**
